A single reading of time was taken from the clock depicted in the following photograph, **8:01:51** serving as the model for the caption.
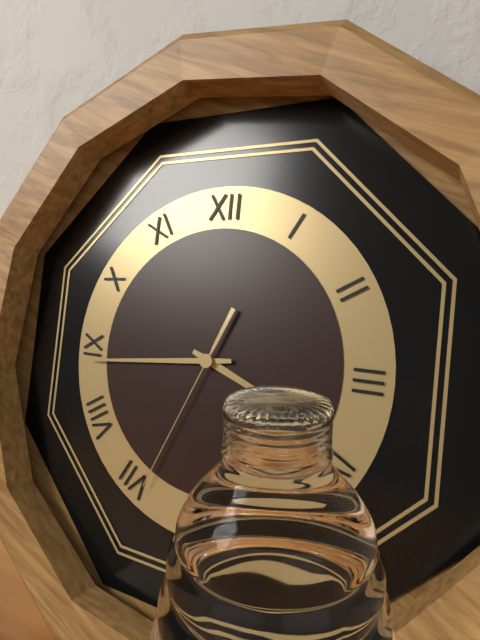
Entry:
**3:44:34**
